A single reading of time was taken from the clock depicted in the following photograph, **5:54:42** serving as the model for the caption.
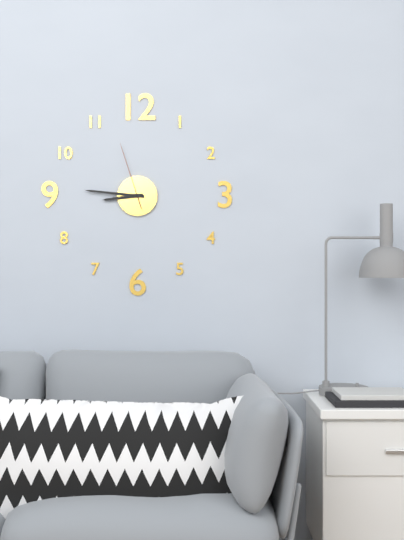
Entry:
**8:46:57**
